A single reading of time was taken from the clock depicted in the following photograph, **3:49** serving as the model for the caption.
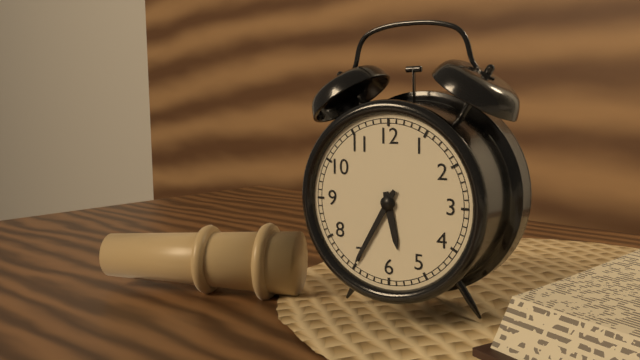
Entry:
**5:35**
